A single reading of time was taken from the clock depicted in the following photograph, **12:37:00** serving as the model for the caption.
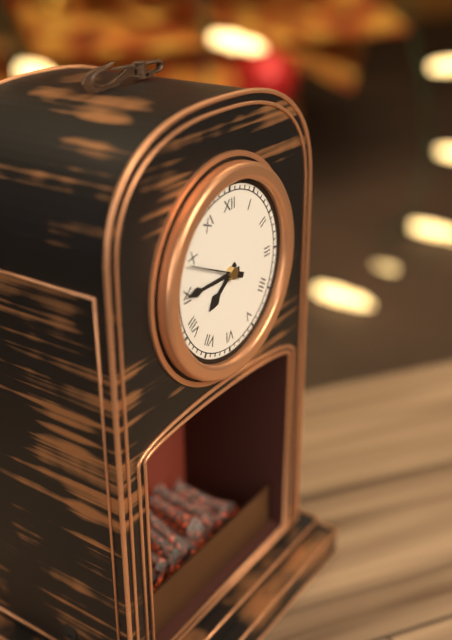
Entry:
**7:45:49**
